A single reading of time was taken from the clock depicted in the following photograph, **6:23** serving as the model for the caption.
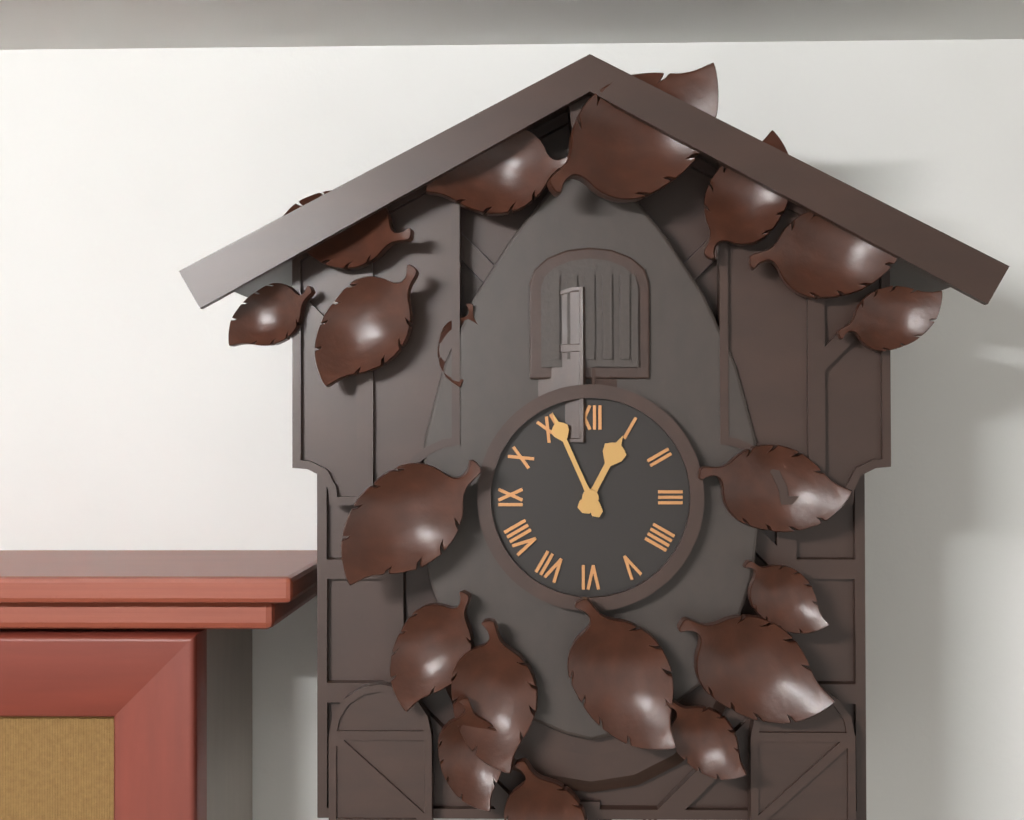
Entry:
**12:56**
